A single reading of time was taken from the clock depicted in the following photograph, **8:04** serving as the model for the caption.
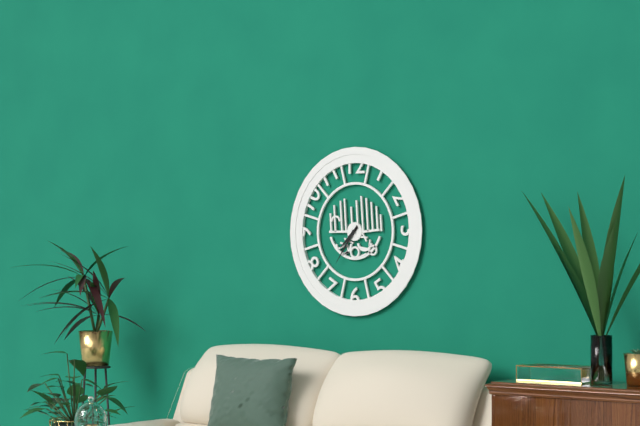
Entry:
**7:36**
